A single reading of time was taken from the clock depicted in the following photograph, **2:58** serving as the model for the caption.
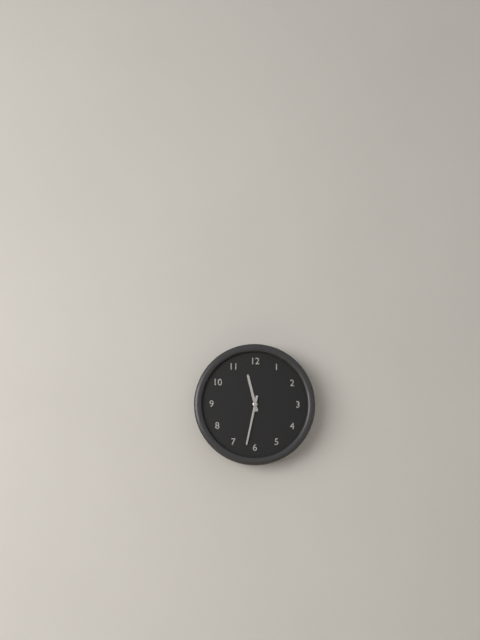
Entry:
**11:32**
